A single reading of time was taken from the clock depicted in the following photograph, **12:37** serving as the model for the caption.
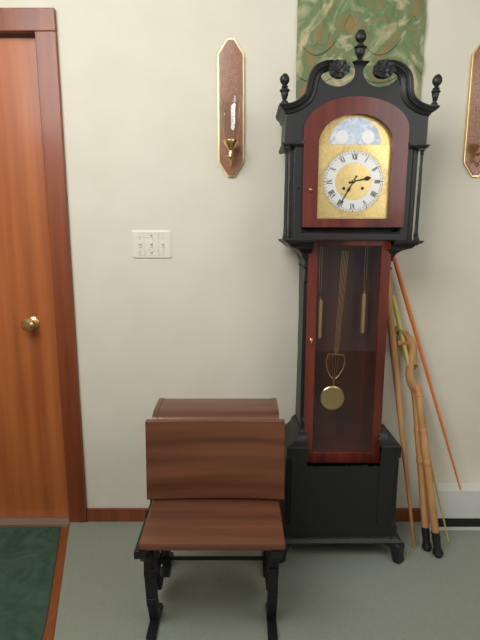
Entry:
**2:35**
